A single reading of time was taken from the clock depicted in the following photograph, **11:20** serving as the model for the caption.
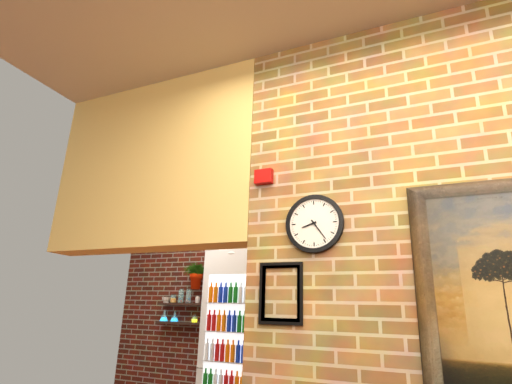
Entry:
**8:24**
